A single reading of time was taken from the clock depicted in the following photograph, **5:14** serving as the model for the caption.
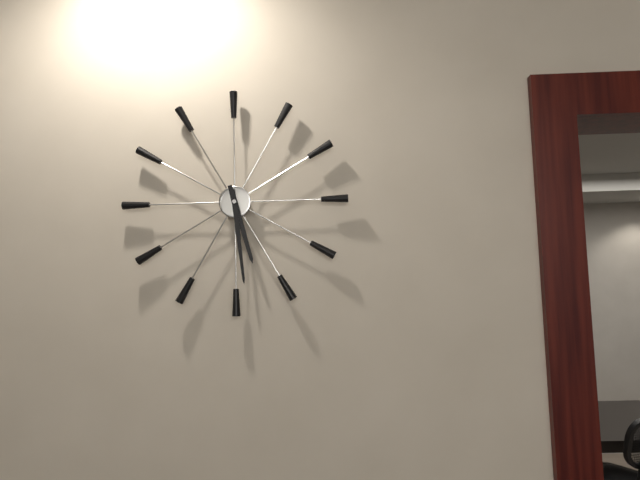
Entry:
**5:29**
